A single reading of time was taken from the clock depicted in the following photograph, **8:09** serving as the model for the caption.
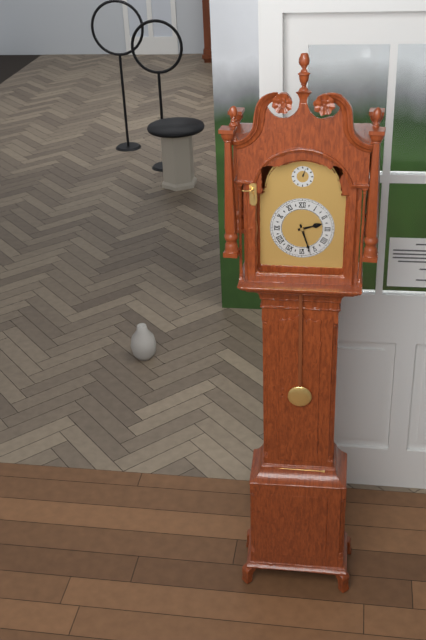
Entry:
**2:27**
